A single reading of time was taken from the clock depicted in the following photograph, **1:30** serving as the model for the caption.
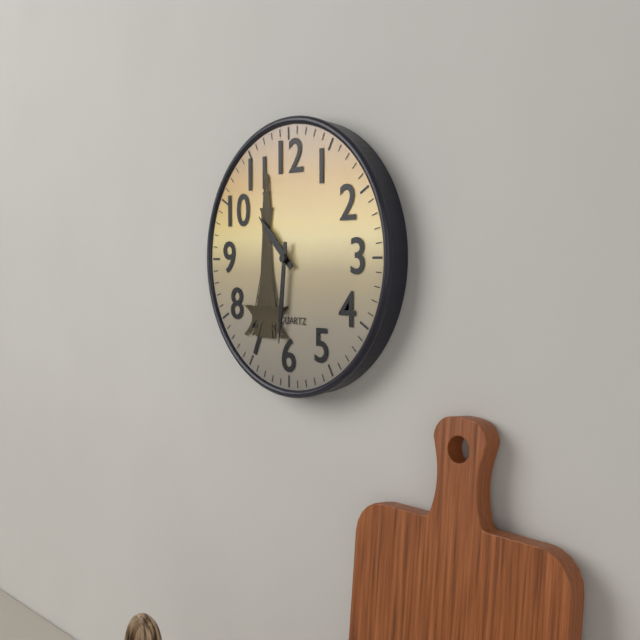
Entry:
**10:31**
